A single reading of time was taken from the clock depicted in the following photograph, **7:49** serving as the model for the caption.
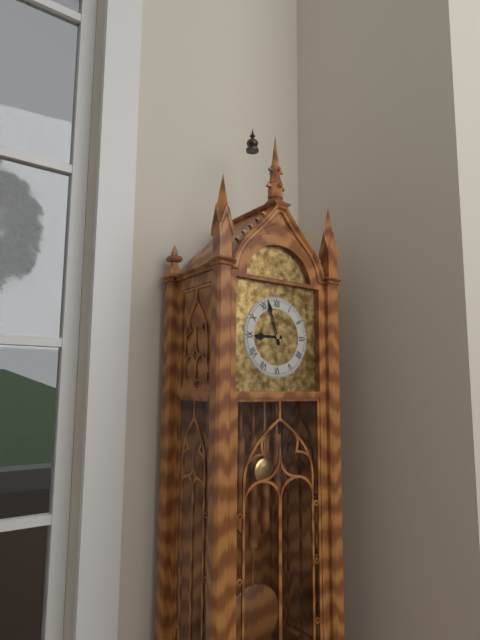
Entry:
**8:57**
